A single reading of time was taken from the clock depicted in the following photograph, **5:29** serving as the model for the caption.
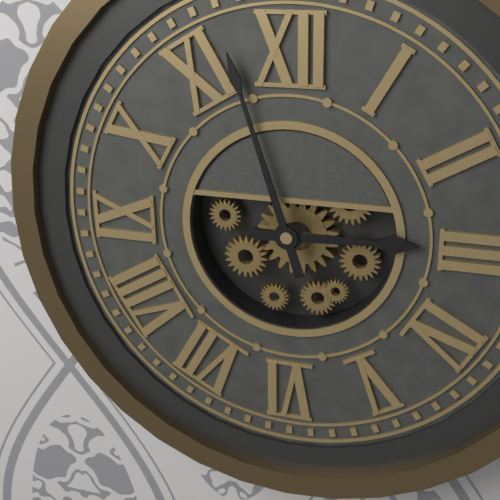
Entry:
**2:57**
